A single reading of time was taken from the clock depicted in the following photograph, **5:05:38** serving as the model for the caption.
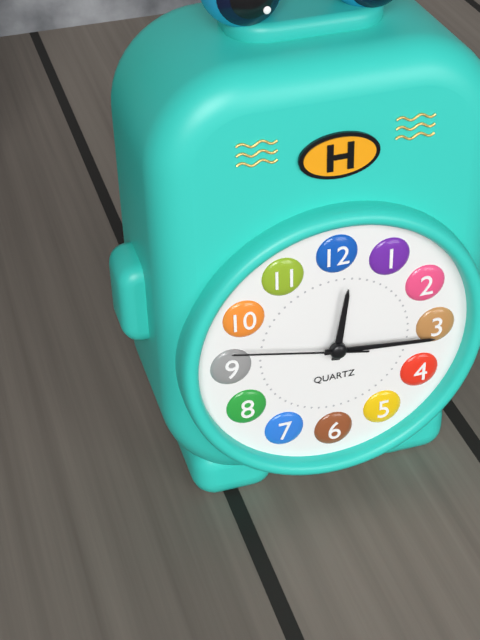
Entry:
**12:16:47**
